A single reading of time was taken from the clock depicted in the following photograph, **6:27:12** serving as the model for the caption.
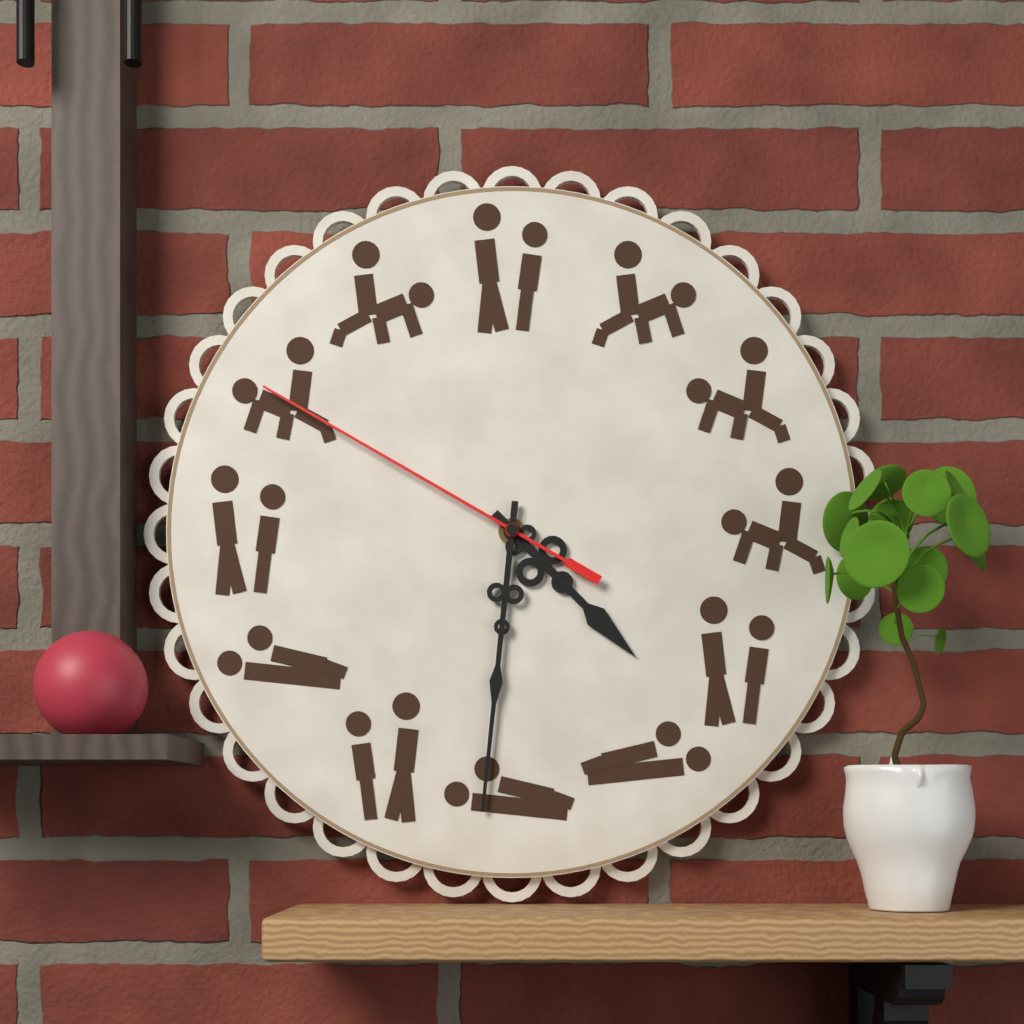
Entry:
**4:31:50**
